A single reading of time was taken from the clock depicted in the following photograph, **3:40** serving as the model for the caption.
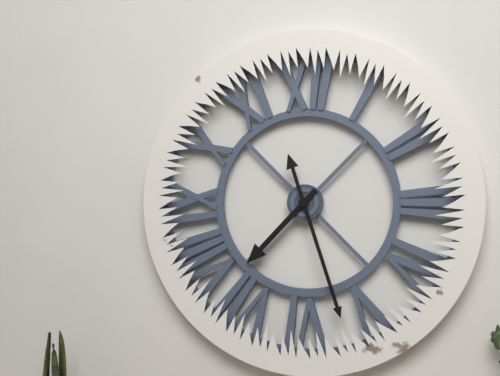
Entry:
**7:27**
